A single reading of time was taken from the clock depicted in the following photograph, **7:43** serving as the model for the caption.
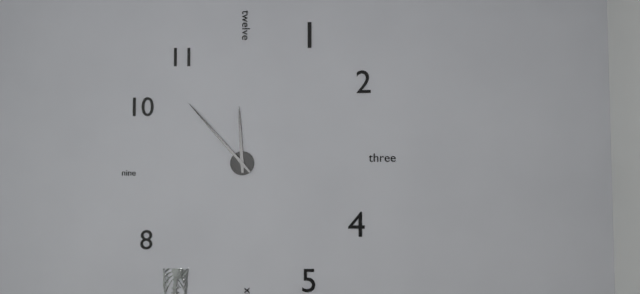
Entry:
**11:53**
